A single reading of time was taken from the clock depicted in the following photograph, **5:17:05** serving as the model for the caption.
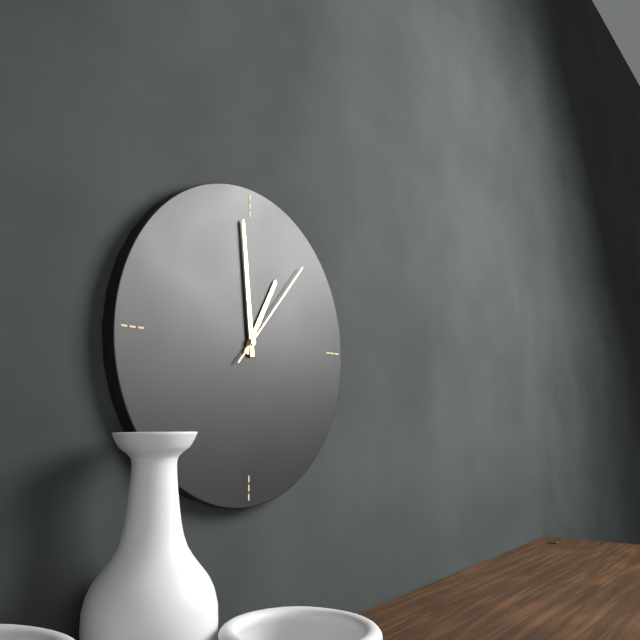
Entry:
**12:59:07**
